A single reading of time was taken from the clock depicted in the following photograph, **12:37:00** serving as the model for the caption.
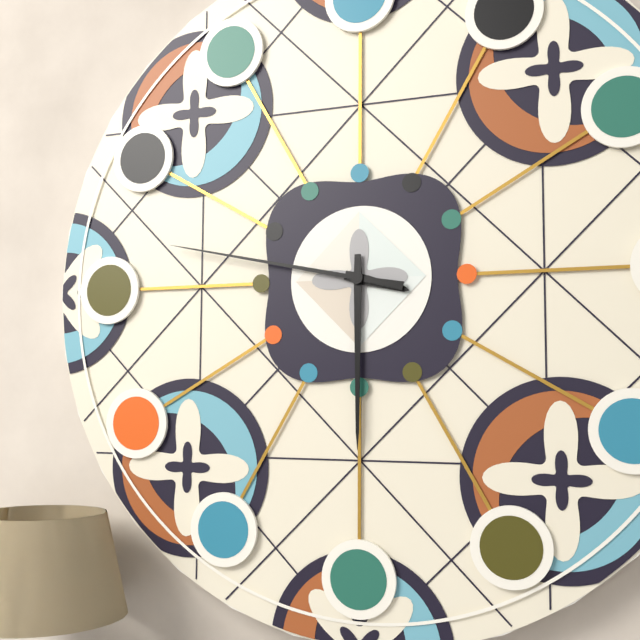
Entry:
**3:30:47**
